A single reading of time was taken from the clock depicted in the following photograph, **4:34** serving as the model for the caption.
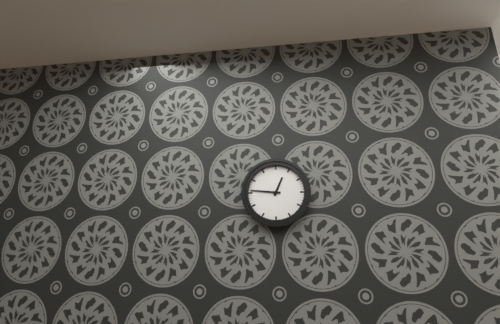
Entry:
**12:46**
